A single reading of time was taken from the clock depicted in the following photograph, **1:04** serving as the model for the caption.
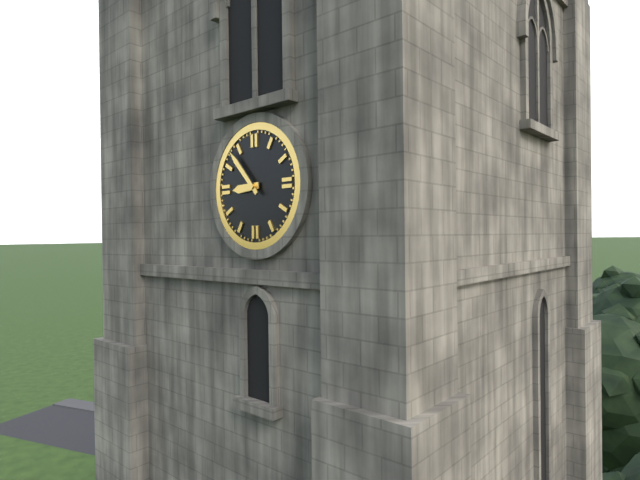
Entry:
**8:53**
